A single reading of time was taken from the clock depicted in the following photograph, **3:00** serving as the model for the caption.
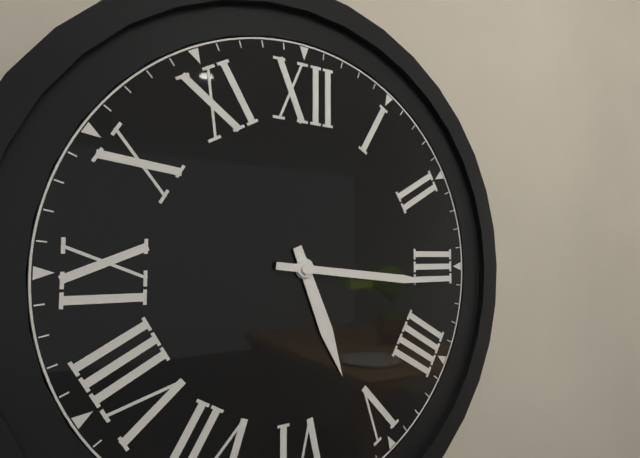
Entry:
**5:16**
